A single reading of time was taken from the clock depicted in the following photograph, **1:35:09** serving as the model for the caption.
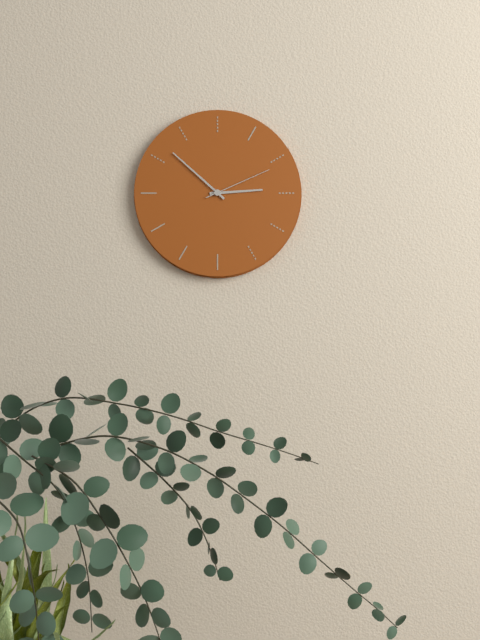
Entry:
**2:52:11**
